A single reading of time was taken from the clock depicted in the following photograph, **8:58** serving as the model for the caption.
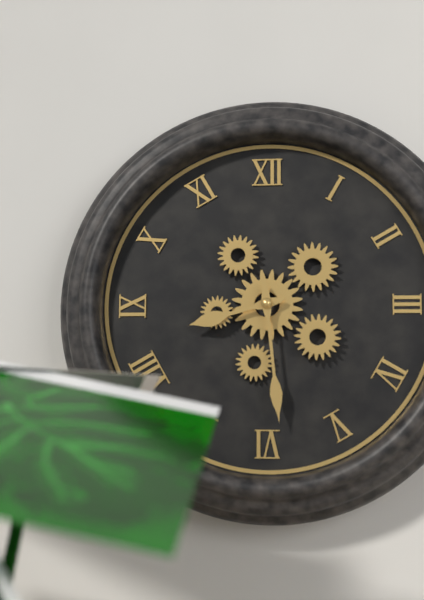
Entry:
**8:29**
